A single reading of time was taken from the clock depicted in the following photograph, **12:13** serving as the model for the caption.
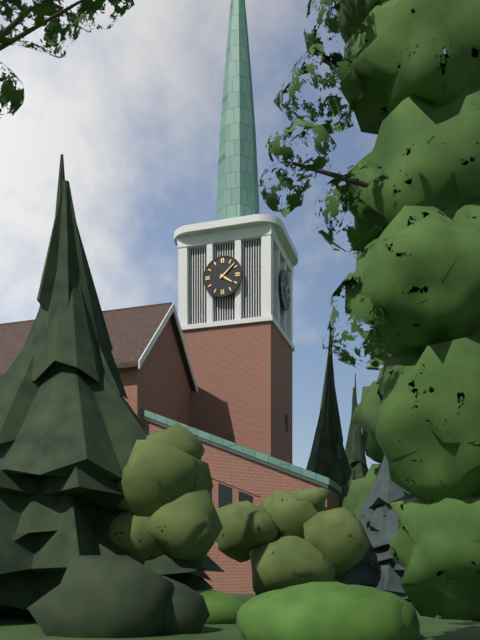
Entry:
**4:08**
